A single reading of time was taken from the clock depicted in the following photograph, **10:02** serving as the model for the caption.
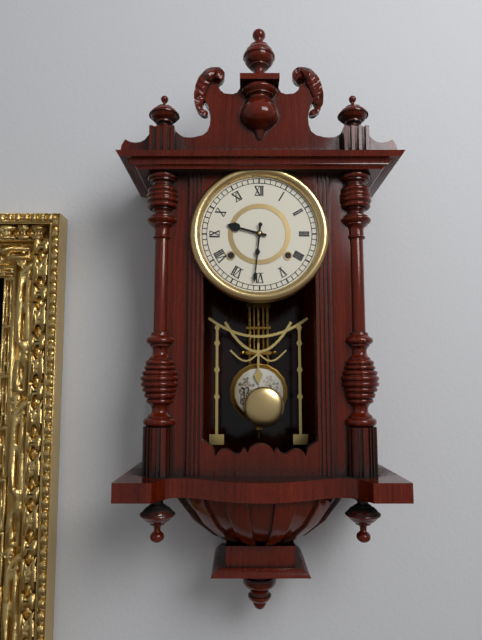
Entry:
**9:31**
